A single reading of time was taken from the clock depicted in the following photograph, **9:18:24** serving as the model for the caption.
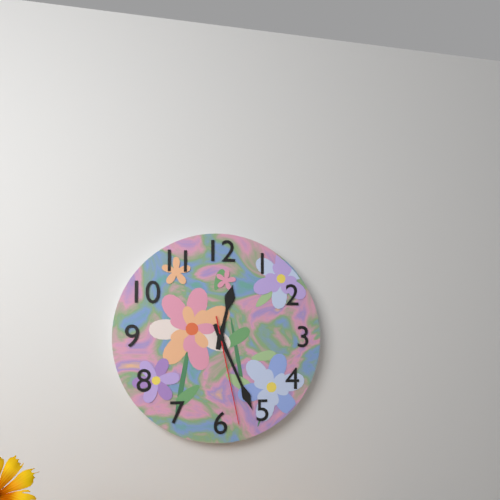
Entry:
**12:26:28**
